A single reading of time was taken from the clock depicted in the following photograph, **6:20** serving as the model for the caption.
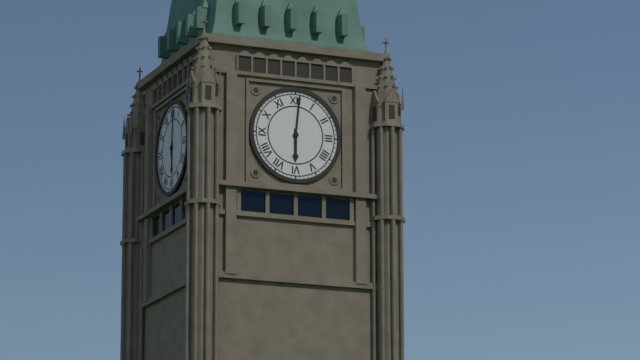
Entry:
**6:01**
